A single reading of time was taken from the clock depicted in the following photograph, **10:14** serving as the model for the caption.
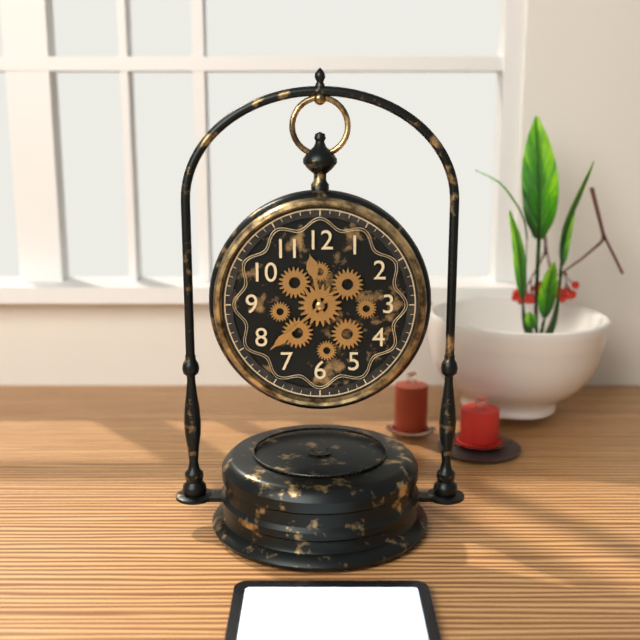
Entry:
**11:38**
